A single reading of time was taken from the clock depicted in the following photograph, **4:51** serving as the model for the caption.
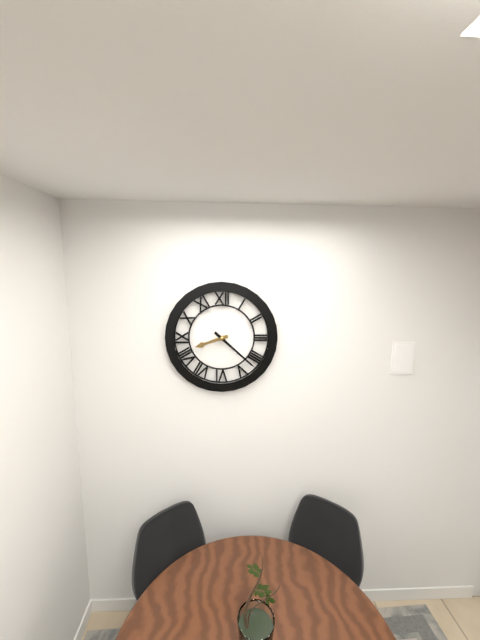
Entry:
**8:22**
